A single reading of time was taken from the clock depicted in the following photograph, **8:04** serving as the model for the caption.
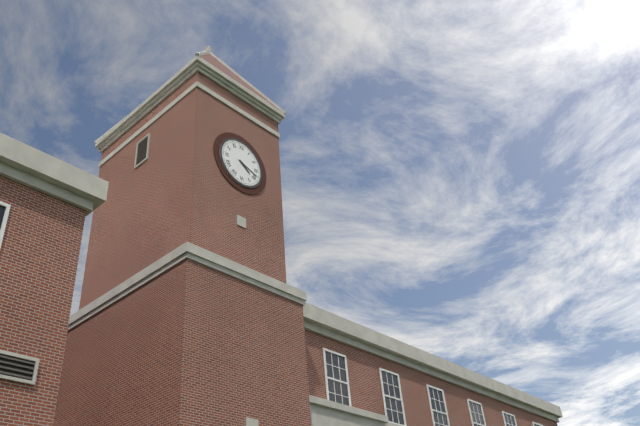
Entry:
**4:18**
